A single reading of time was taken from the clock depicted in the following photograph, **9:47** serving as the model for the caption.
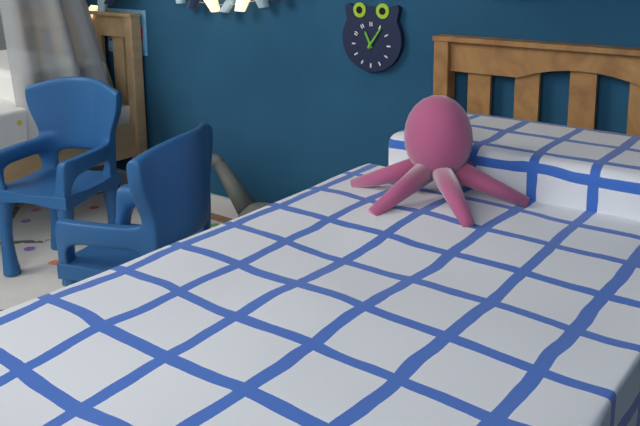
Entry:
**11:06**
